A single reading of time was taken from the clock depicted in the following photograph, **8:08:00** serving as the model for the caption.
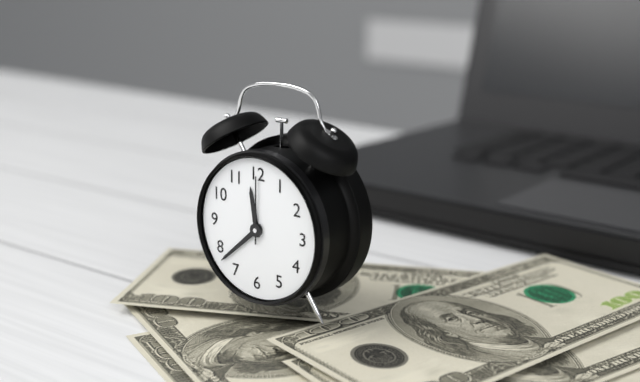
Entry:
**11:38:00**
